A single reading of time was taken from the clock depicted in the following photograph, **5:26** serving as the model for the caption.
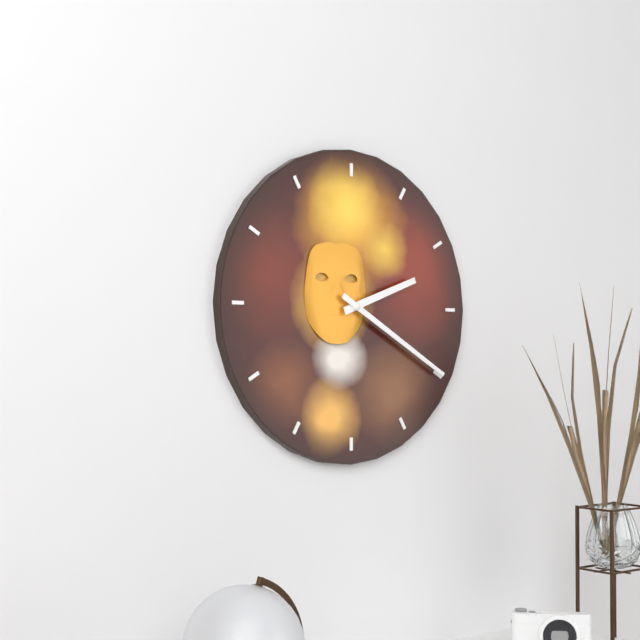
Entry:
**2:20**
